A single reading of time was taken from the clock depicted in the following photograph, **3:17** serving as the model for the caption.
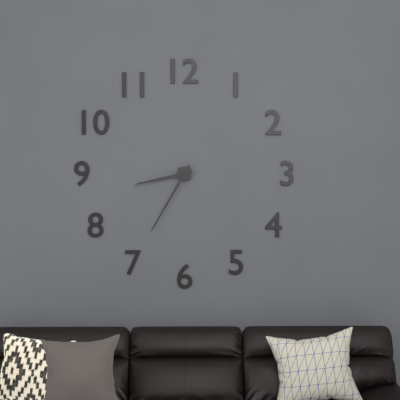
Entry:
**8:35**
